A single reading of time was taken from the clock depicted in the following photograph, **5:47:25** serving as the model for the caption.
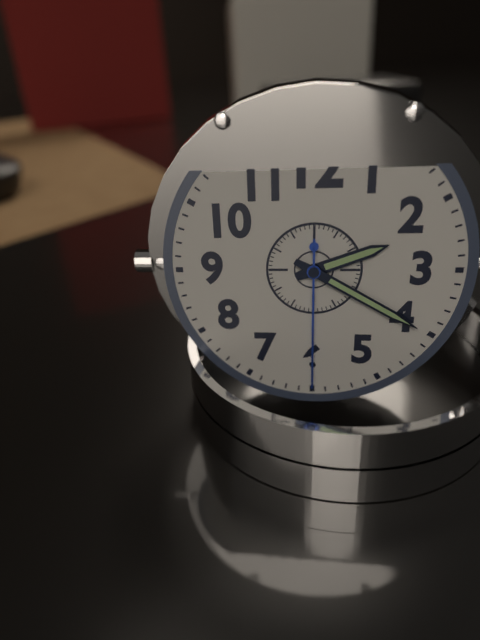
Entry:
**2:20:30**
